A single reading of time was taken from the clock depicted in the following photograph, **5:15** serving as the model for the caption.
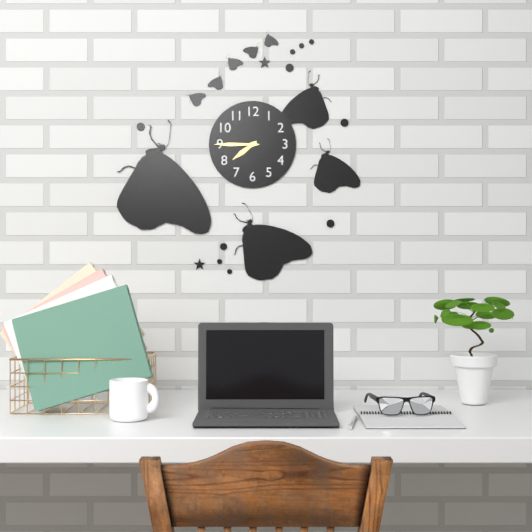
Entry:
**7:45**
